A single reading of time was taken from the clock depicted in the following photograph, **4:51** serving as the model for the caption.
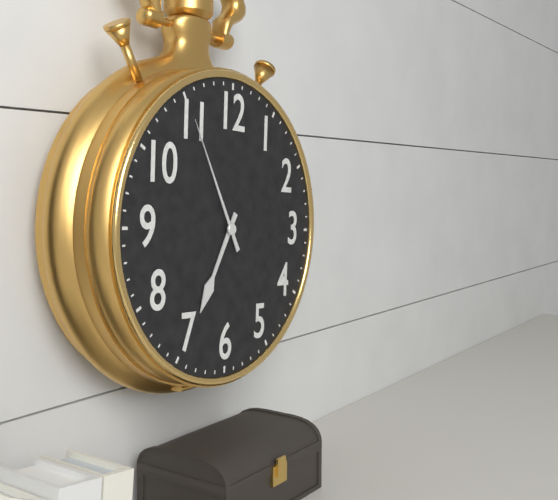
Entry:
**6:55**
